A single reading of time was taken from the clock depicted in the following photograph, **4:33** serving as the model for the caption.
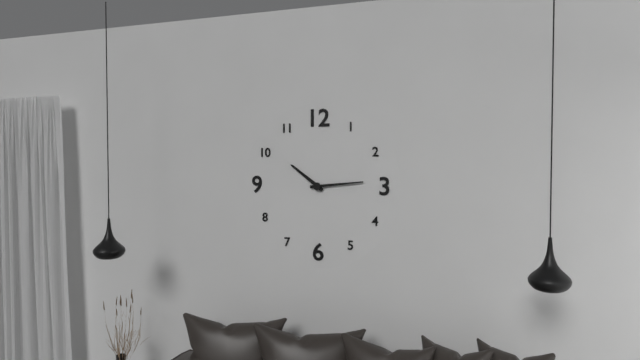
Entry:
**10:14**
